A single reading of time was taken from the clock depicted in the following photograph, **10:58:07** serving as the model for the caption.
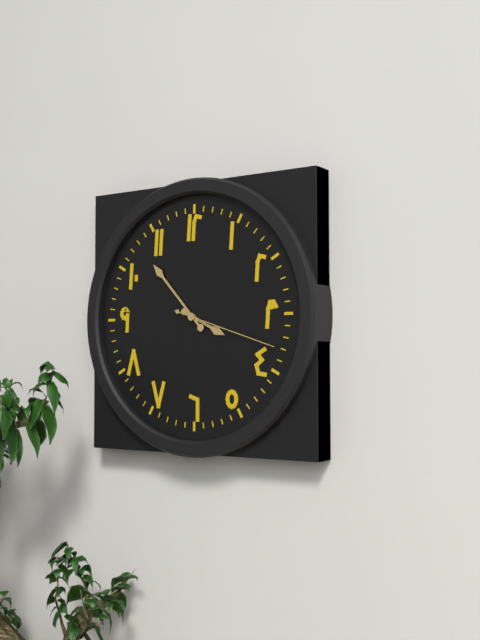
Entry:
**3:53:18**
